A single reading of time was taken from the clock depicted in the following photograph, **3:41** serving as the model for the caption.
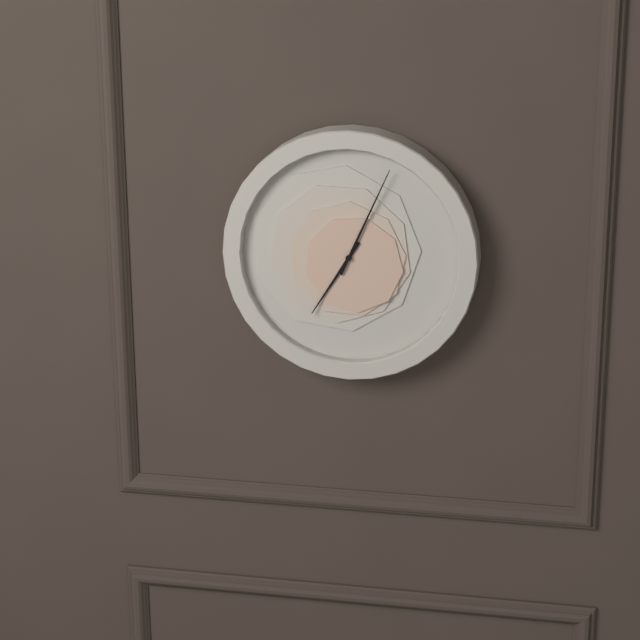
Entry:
**7:04**
